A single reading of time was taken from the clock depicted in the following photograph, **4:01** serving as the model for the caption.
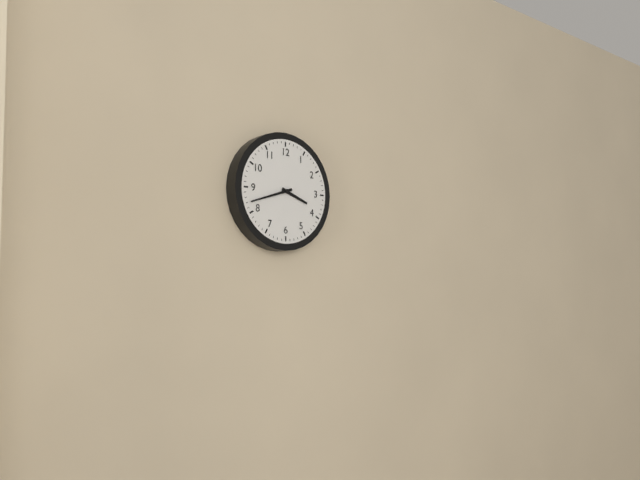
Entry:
**3:42**
